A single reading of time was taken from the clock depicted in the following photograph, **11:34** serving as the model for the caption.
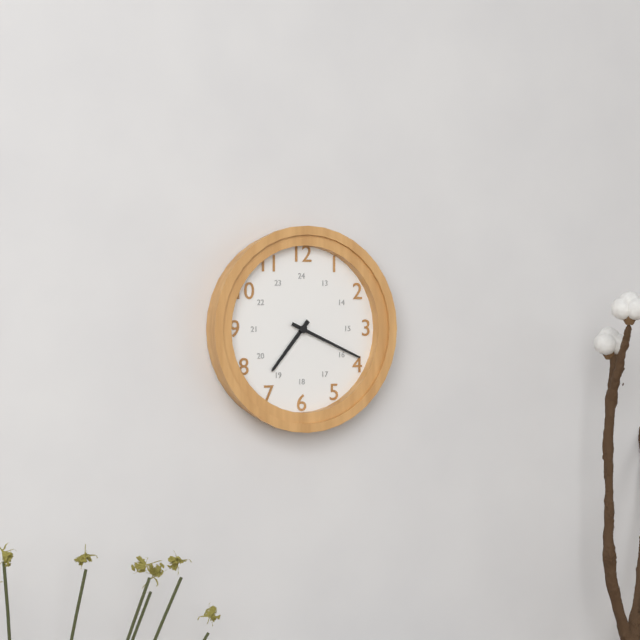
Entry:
**7:19**
